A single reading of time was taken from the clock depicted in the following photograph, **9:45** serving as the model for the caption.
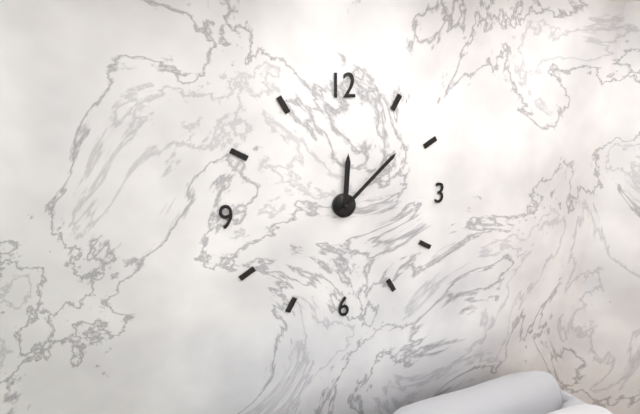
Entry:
**12:08**
